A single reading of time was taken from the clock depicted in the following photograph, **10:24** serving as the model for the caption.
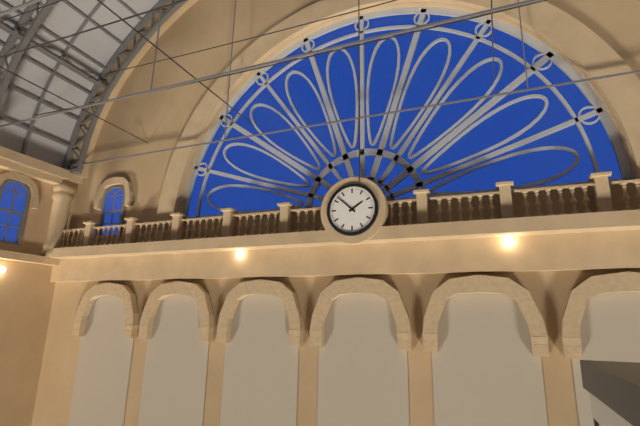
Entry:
**1:52**
